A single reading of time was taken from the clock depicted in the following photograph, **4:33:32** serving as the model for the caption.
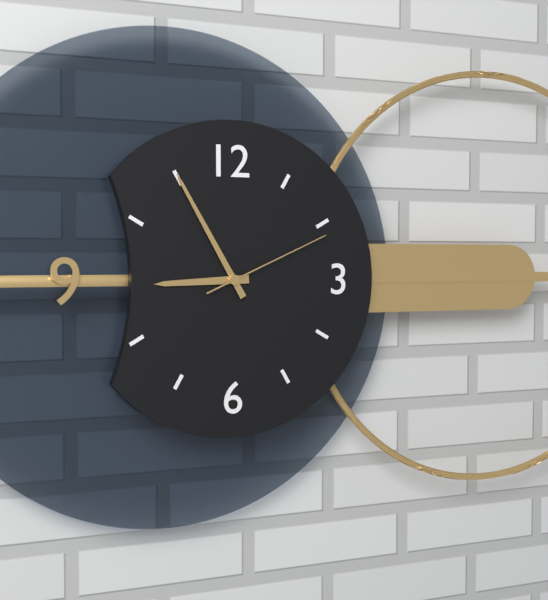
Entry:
**8:55:11**
